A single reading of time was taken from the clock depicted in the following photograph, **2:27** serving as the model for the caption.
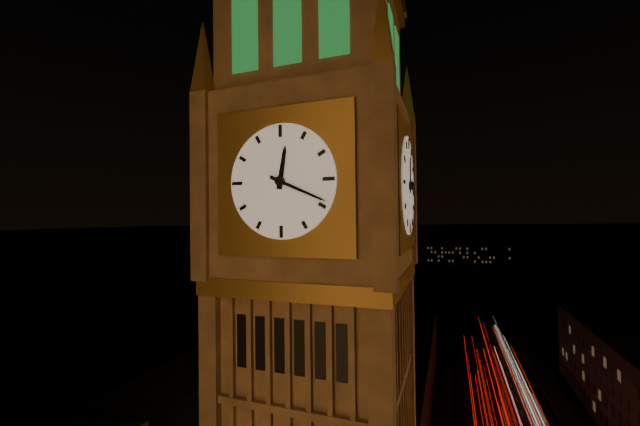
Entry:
**12:19**
